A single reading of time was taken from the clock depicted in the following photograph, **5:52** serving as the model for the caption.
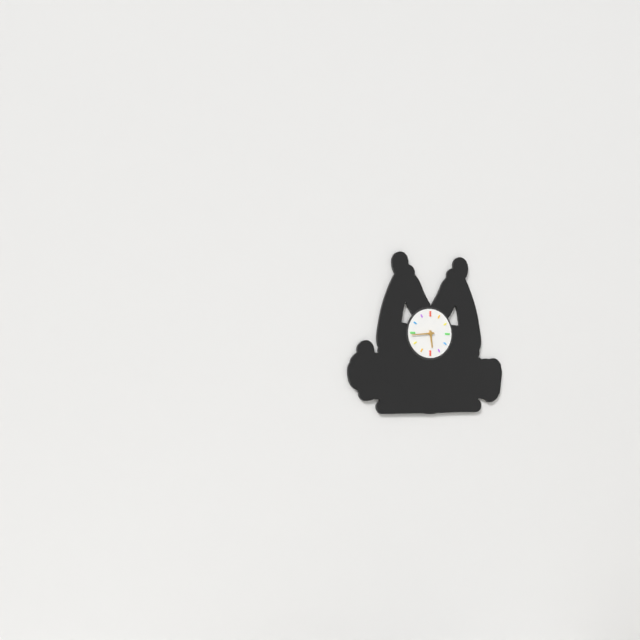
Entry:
**5:44**
